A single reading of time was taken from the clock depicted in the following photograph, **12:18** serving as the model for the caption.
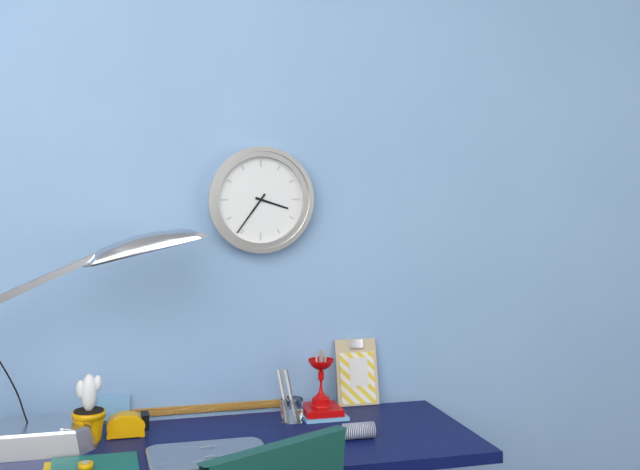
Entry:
**3:36**
